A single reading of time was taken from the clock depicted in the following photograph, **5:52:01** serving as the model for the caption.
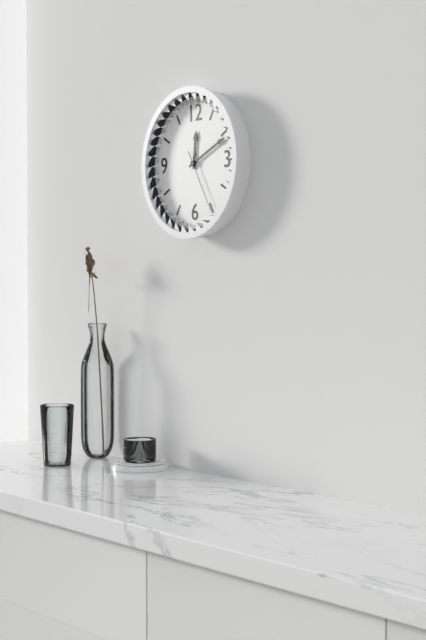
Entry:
**12:11:25**
